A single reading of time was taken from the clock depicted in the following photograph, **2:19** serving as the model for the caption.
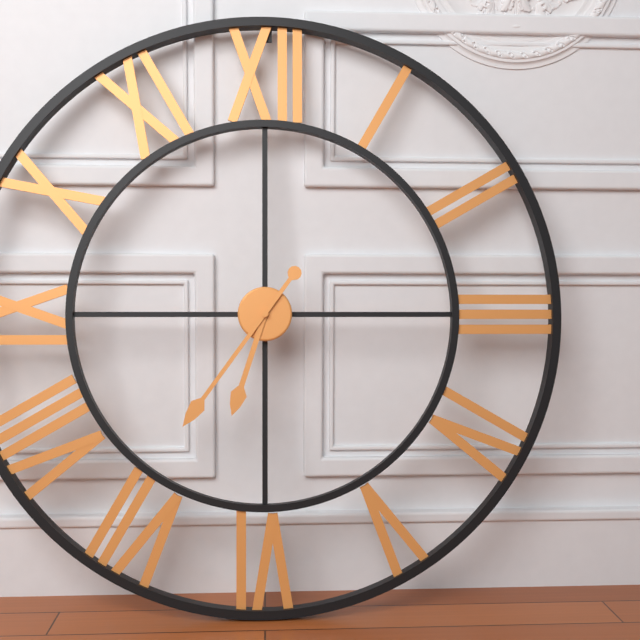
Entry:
**6:36**
